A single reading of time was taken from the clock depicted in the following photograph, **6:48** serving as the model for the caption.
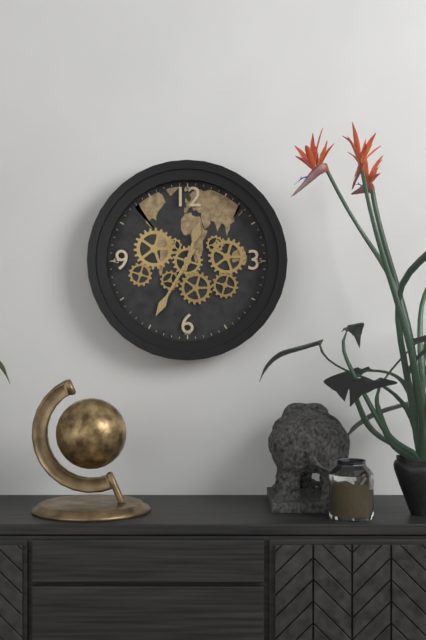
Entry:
**12:35**
